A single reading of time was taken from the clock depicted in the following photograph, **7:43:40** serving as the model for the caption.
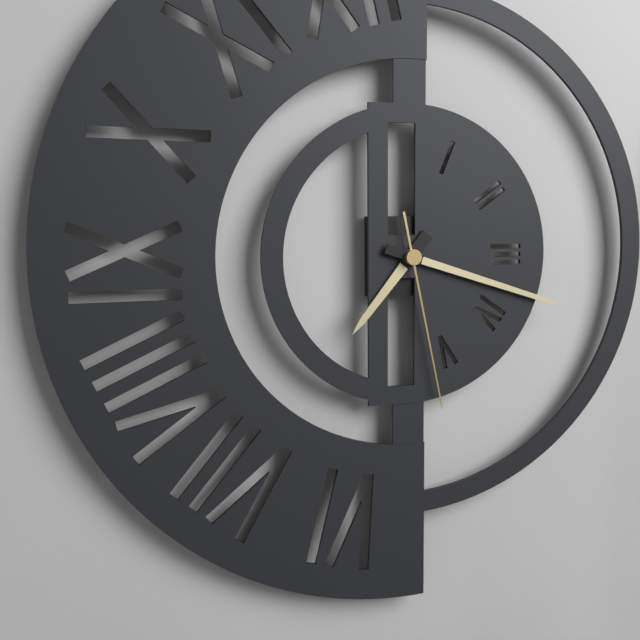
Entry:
**7:18:28**
